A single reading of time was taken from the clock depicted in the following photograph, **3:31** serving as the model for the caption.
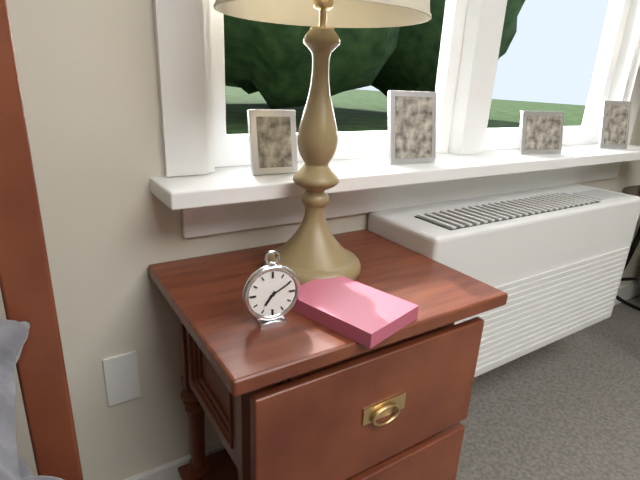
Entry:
**7:10**
